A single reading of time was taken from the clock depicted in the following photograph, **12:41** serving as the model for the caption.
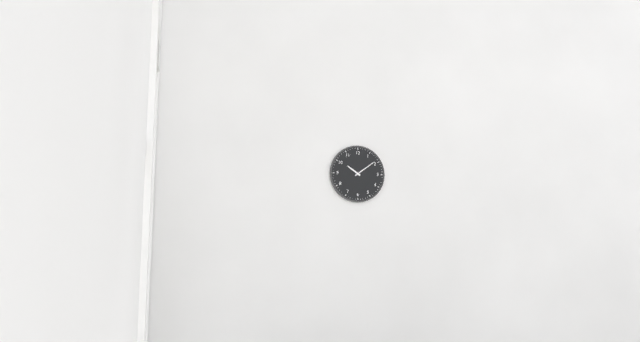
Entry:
**10:09**
